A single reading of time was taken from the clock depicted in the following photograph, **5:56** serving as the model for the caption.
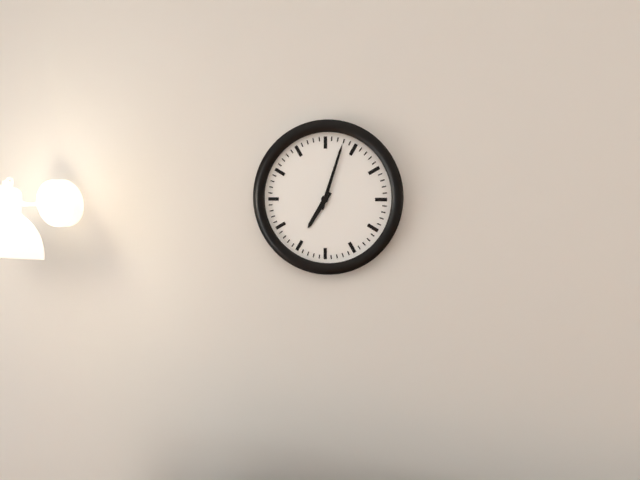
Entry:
**7:03**
